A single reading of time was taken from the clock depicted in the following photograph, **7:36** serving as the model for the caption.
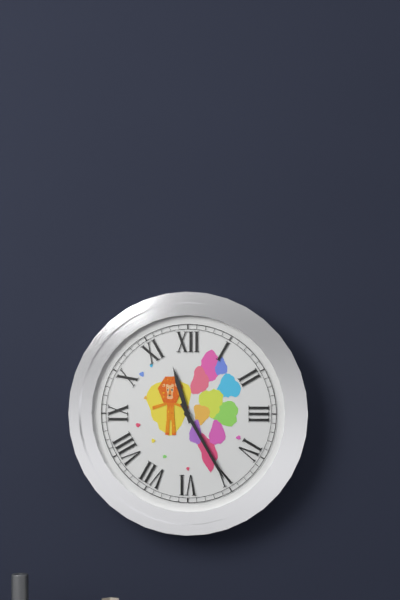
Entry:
**11:25**
